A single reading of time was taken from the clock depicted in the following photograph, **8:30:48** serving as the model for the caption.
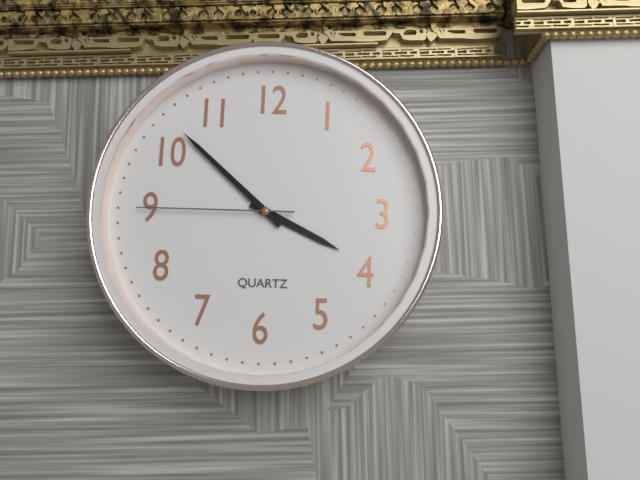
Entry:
**3:52:45**
